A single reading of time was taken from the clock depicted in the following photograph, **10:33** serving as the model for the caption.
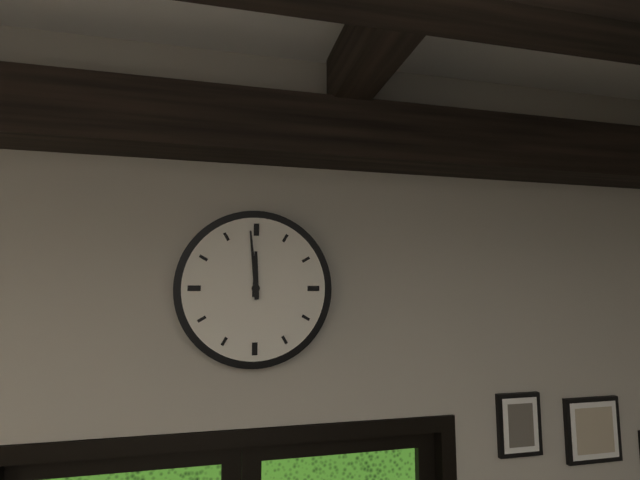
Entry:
**11:59**
